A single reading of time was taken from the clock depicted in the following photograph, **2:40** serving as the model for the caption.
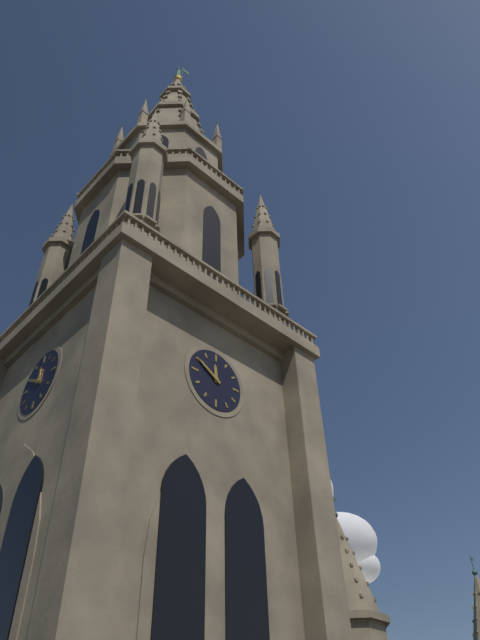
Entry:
**11:50**
